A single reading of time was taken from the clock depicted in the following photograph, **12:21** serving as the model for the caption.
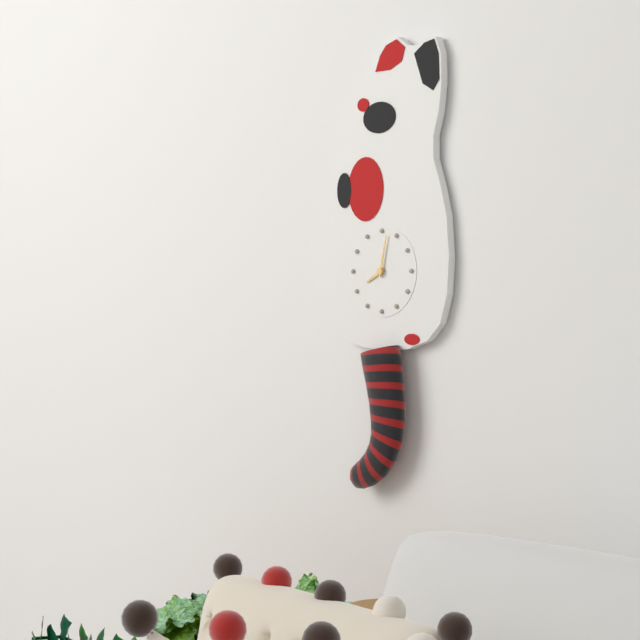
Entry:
**8:02**
